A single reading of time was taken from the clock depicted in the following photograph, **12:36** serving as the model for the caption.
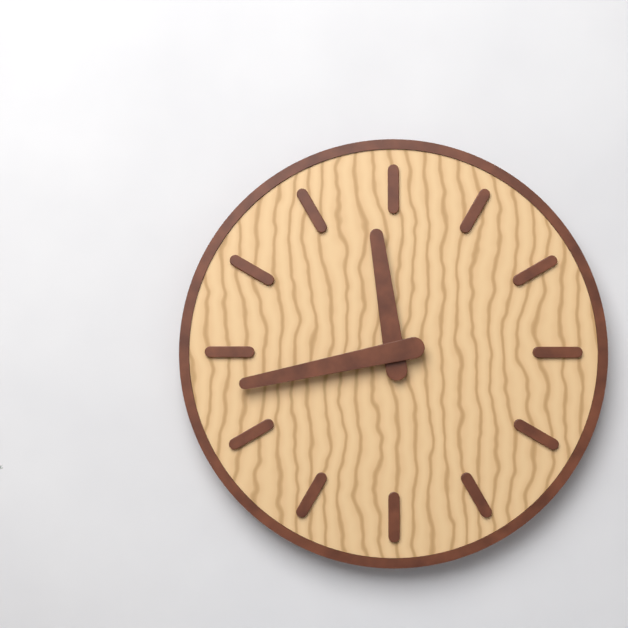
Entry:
**11:43**
